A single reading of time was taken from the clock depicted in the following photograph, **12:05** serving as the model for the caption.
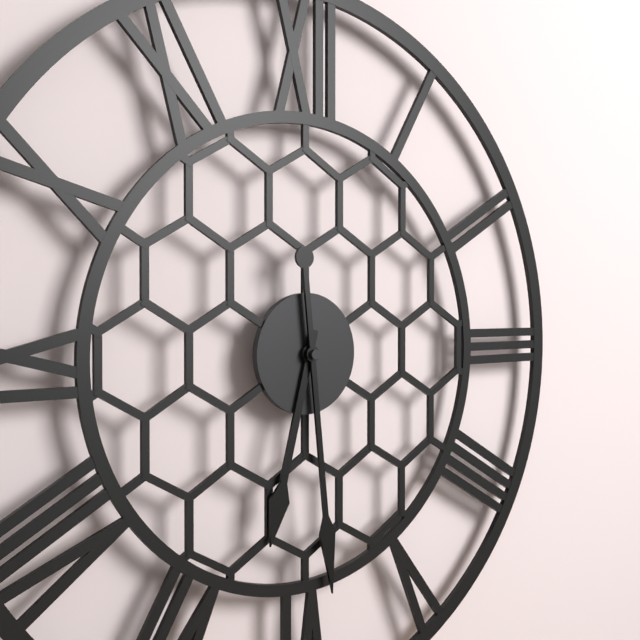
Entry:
**6:29**
